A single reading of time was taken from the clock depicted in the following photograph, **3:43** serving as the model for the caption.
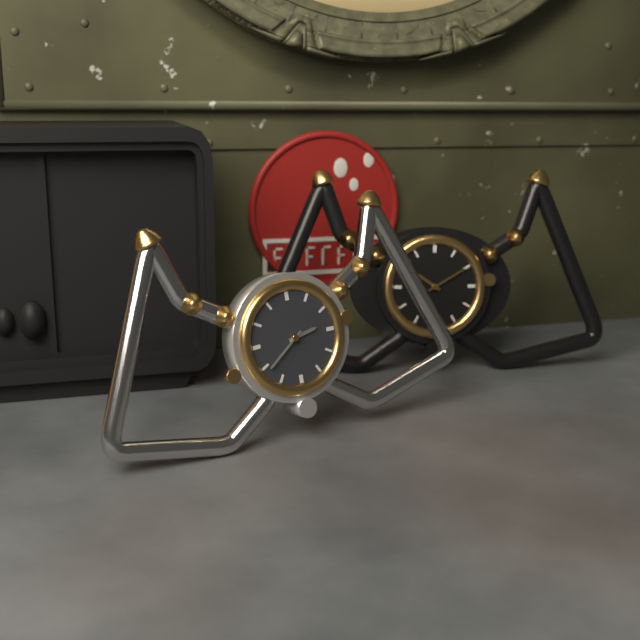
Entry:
**2:39**
